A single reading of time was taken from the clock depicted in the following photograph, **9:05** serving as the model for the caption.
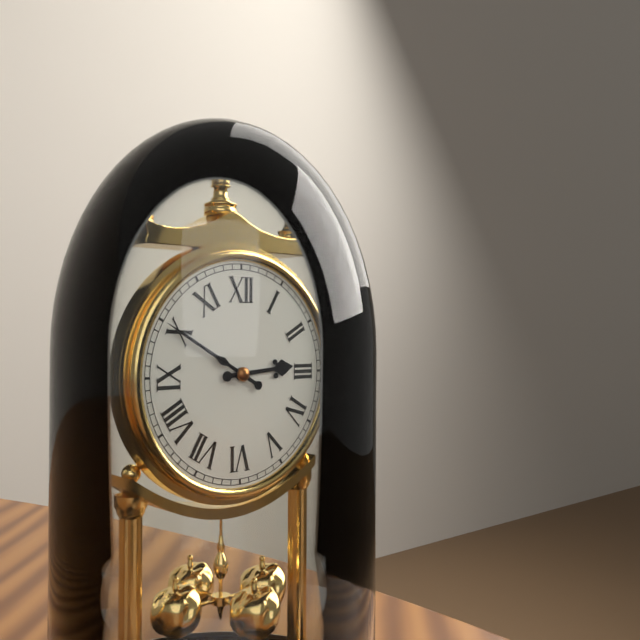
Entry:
**2:50**
